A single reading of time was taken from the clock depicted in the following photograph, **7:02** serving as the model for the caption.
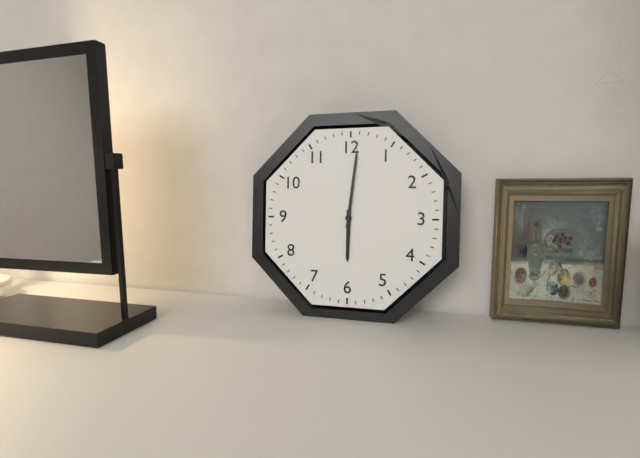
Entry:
**6:01**
